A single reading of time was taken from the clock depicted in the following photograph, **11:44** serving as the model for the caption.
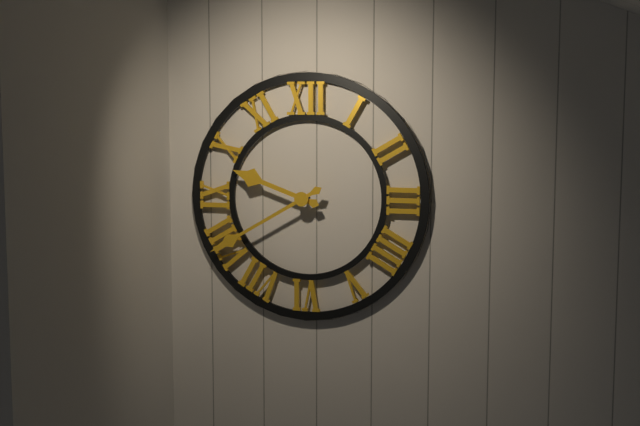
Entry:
**9:40**
